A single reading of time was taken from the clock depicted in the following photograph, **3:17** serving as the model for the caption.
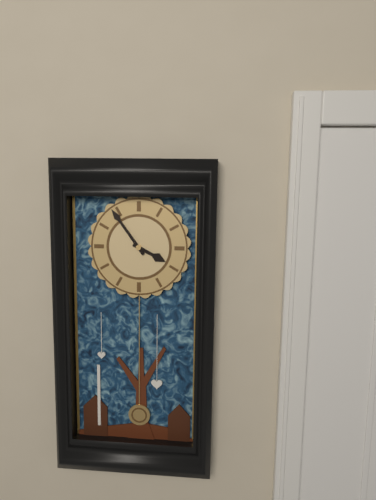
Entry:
**3:54**
